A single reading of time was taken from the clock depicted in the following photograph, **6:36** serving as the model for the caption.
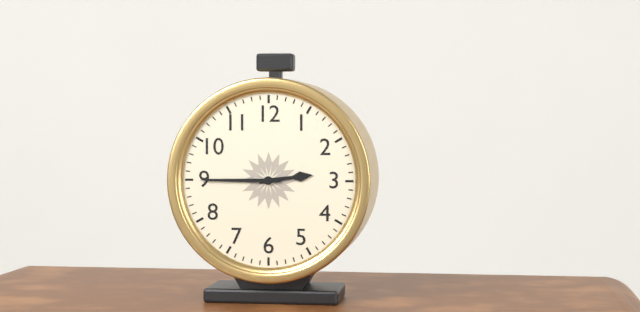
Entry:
**2:45**
